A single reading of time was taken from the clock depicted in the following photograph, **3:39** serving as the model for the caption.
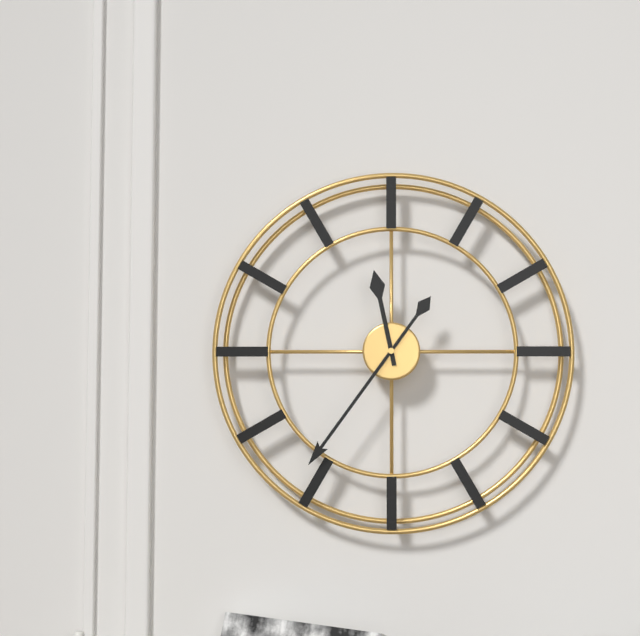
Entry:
**11:36**
